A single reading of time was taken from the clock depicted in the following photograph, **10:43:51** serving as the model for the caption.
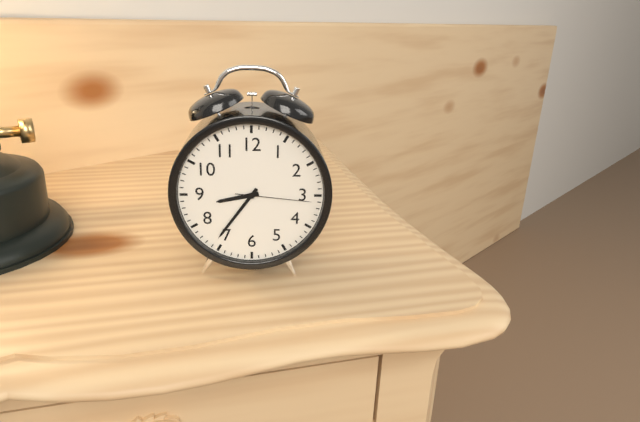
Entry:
**8:36:16**
